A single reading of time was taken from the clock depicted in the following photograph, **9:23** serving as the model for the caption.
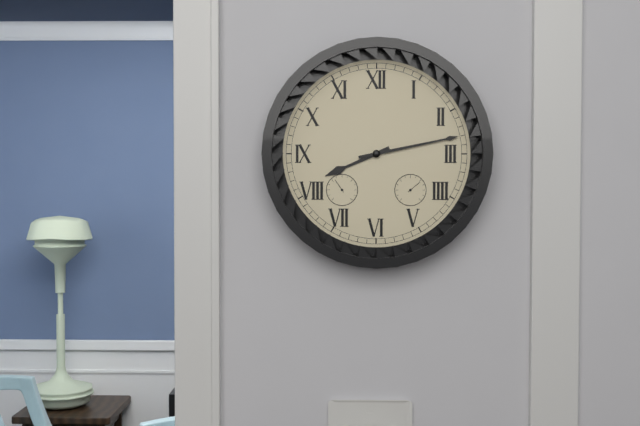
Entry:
**8:13**
